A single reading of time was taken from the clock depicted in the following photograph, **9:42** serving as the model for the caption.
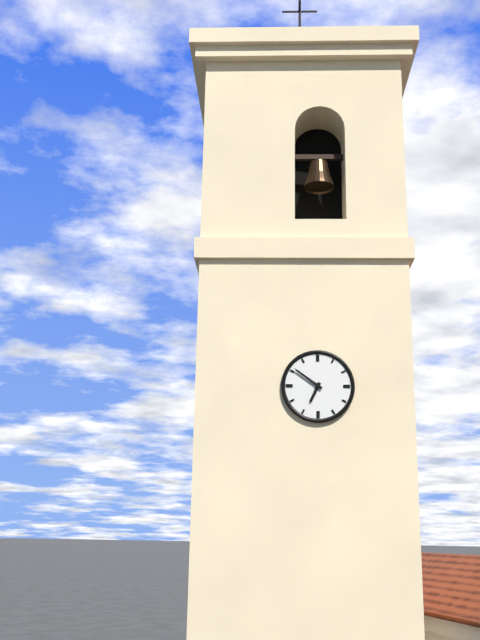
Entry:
**6:51**
